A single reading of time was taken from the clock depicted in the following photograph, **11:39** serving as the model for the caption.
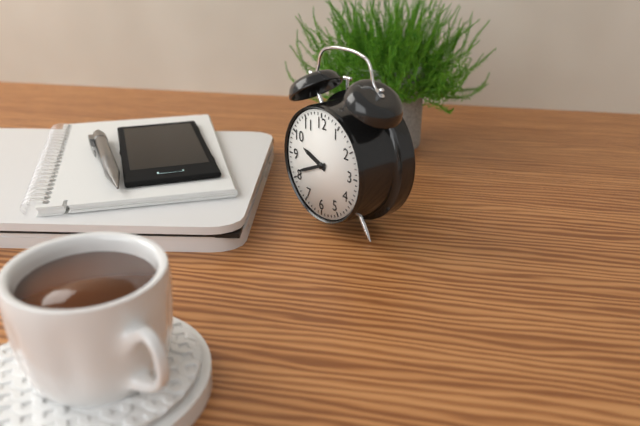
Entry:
**9:41**
